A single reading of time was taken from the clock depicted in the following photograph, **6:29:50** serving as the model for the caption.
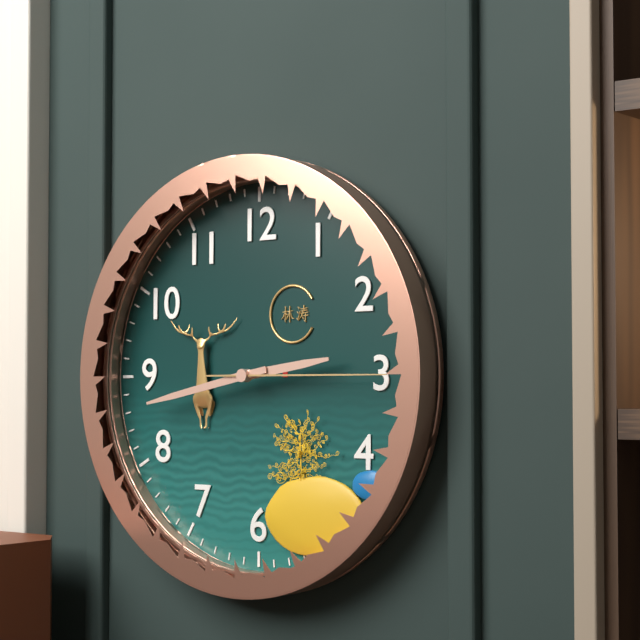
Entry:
**2:43:15**
